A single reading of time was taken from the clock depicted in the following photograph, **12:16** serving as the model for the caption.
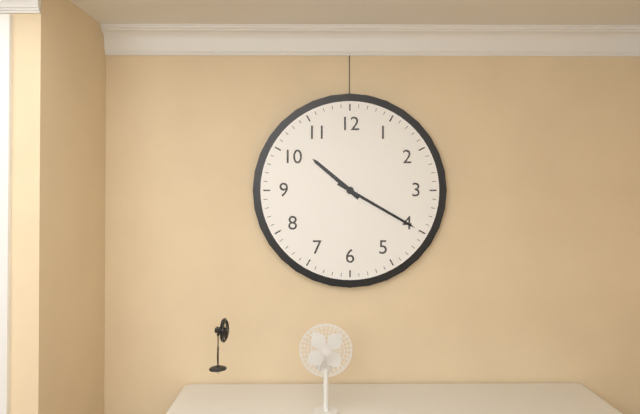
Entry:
**10:20**
